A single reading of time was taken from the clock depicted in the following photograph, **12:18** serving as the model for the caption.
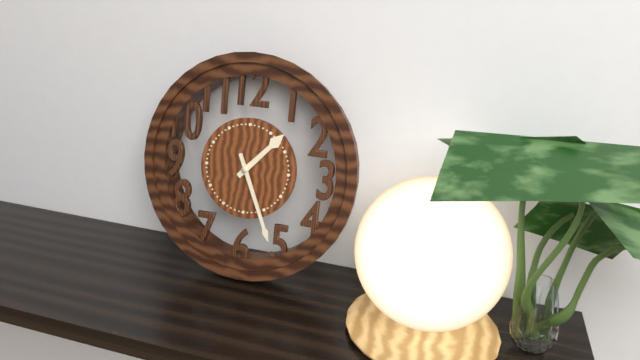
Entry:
**1:26**
